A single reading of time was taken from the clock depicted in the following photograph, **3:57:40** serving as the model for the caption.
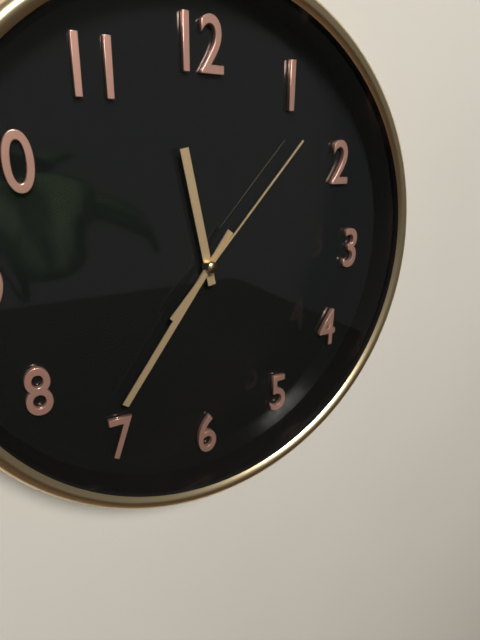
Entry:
**11:36:07**
